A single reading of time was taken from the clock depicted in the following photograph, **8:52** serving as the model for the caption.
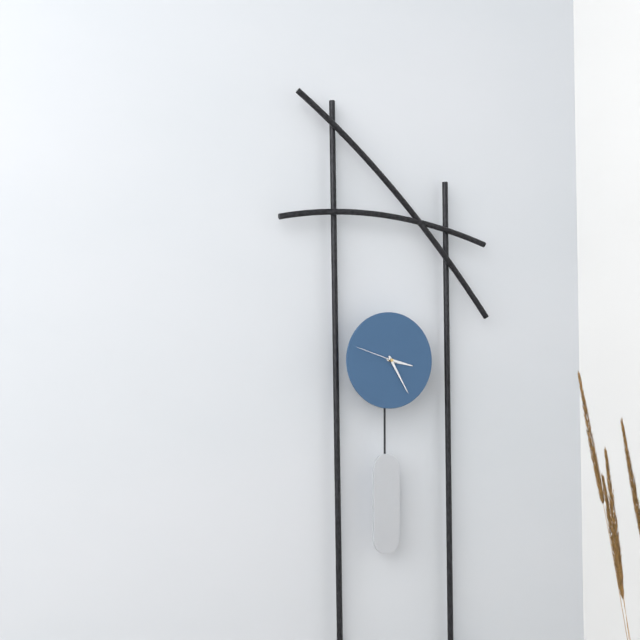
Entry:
**3:25**
